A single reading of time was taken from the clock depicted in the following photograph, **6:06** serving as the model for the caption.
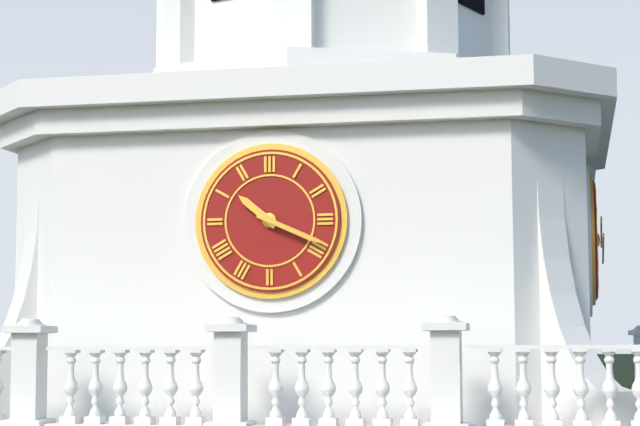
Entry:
**10:19**
